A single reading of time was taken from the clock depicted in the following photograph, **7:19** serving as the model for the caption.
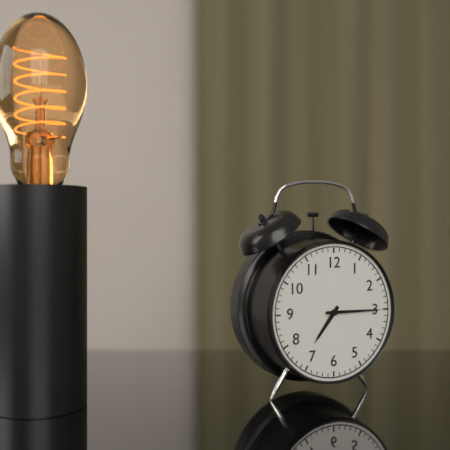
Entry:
**7:15**
